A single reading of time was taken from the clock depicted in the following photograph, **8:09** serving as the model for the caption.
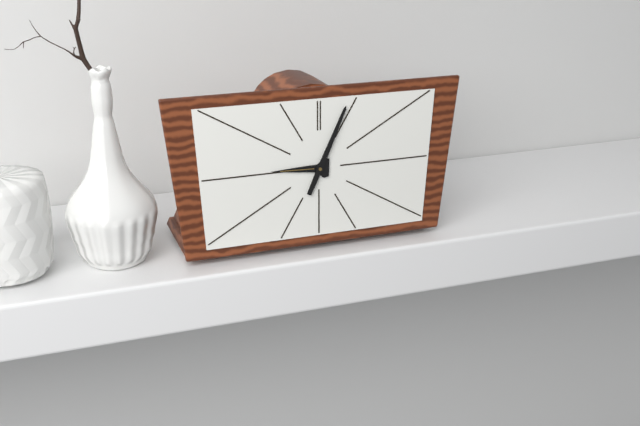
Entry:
**9:04**
